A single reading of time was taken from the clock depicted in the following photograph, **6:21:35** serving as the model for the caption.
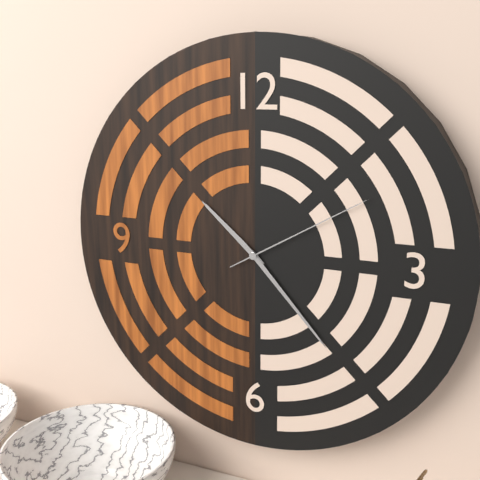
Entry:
**10:23:10**
